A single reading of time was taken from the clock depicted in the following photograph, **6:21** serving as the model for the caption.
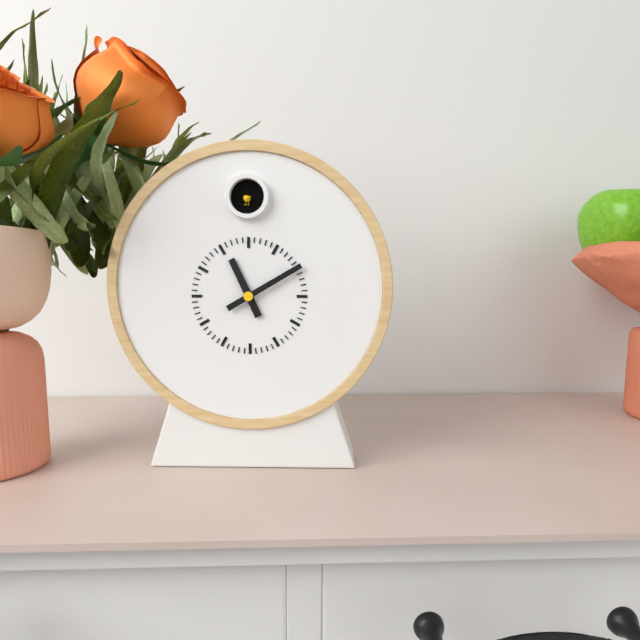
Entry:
**11:10**
